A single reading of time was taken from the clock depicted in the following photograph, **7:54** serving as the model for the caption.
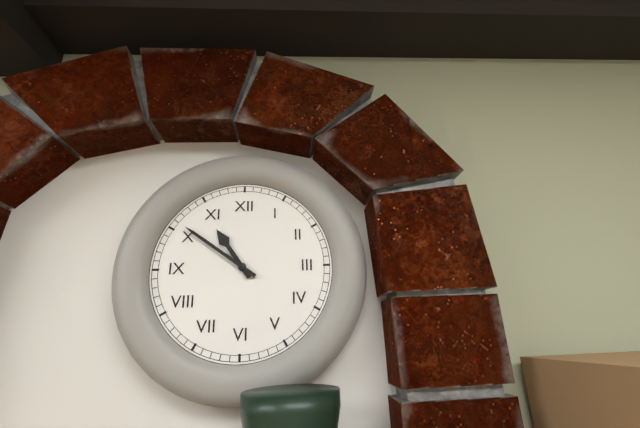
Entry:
**10:51**
